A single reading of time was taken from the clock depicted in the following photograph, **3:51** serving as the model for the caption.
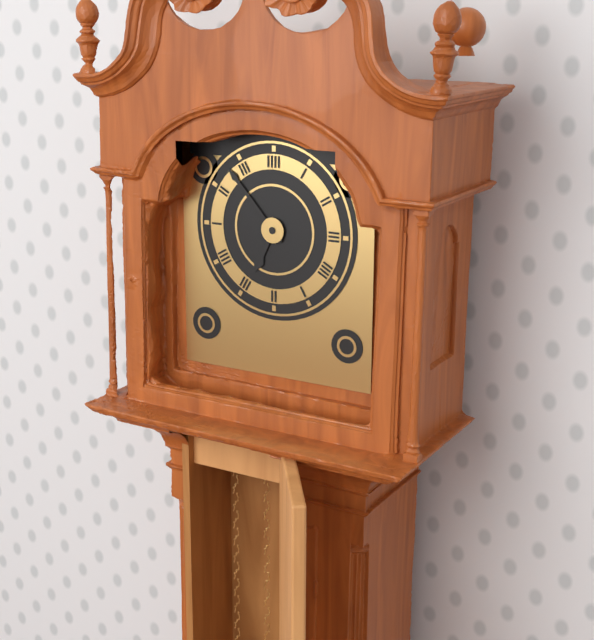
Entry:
**6:53**
